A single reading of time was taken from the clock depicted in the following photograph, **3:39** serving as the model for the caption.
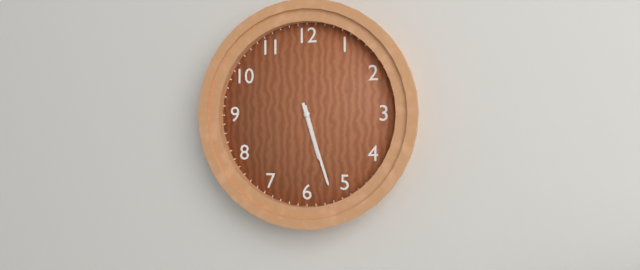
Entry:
**5:27**
